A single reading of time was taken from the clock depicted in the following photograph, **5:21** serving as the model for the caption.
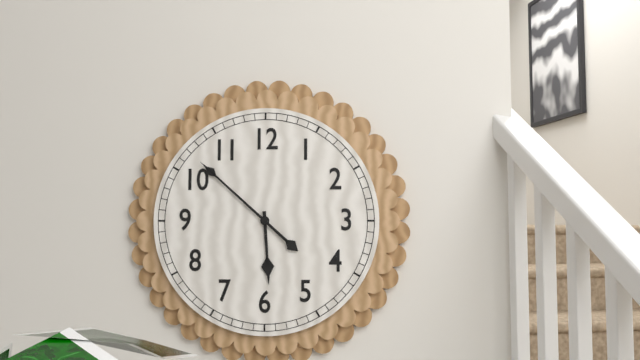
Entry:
**5:52**
